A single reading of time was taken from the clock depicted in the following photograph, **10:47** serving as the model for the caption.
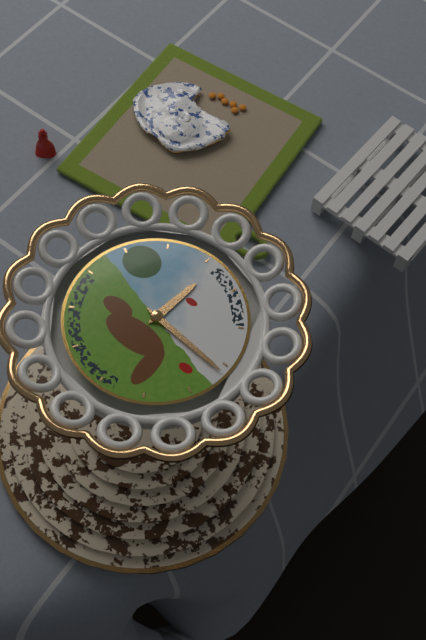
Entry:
**12:16**
